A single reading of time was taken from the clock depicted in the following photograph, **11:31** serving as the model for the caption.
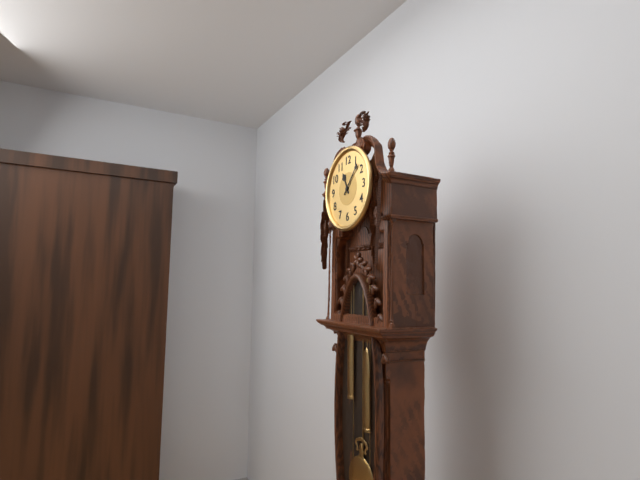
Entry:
**11:07**
